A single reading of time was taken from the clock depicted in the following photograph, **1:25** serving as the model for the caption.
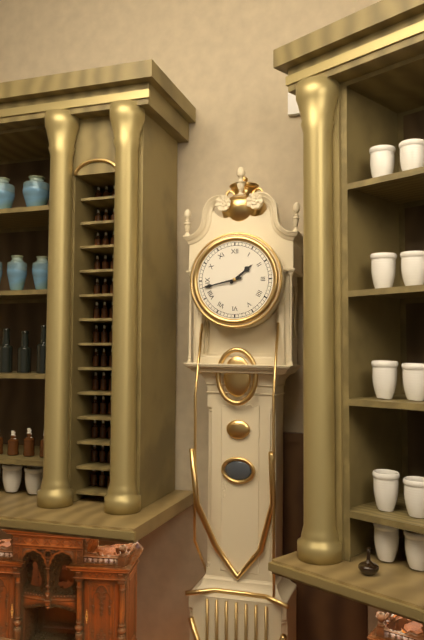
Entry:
**1:43**
